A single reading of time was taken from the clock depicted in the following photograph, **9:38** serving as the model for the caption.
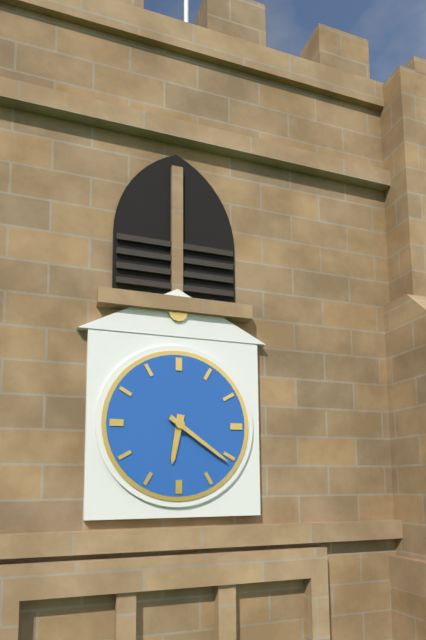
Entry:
**6:21**
